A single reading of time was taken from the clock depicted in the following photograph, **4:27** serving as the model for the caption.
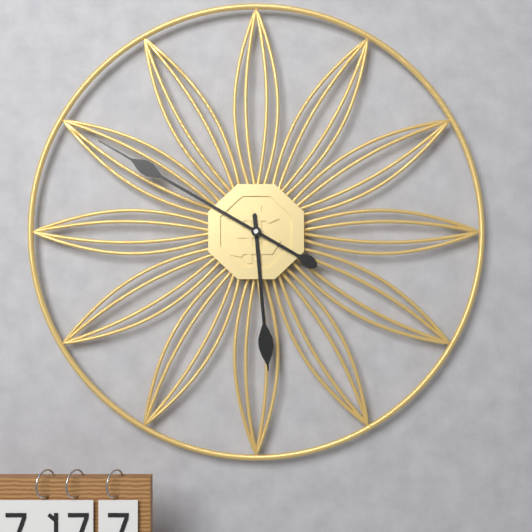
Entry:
**5:50**
